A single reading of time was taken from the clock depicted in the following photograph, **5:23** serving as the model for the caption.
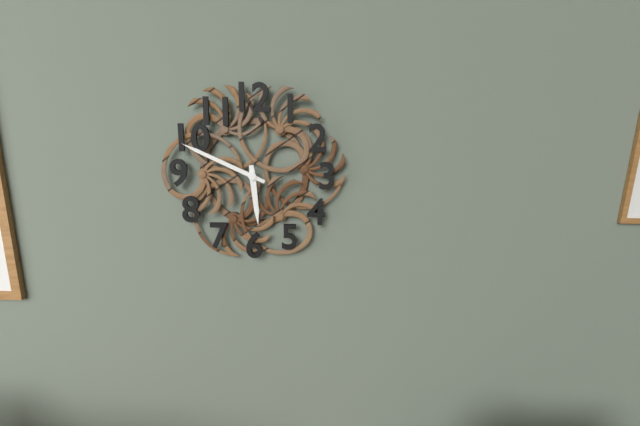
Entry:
**5:49**
